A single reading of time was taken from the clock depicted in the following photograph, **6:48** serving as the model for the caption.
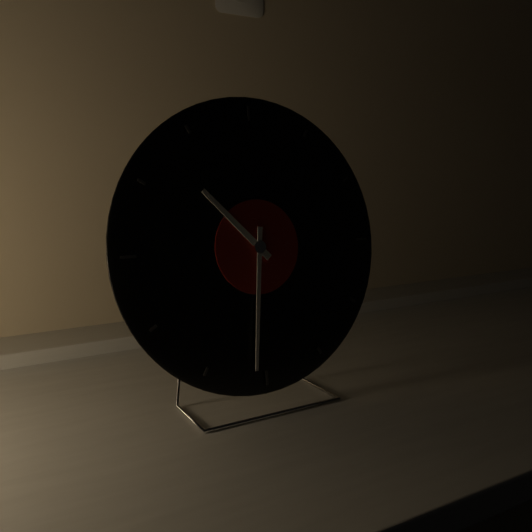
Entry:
**10:31**
